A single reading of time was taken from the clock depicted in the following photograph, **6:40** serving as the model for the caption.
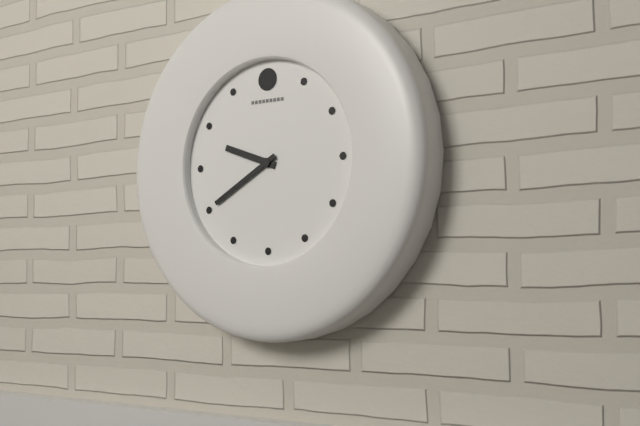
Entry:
**9:40**
